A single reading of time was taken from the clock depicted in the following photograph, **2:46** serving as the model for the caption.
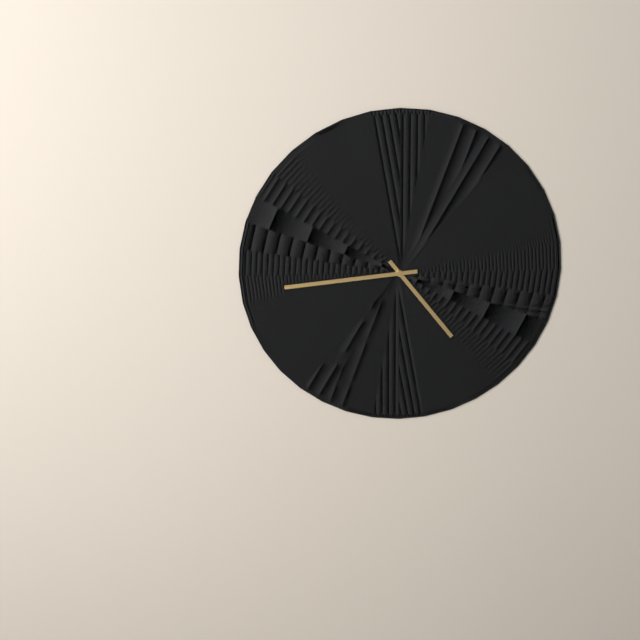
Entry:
**4:44**
